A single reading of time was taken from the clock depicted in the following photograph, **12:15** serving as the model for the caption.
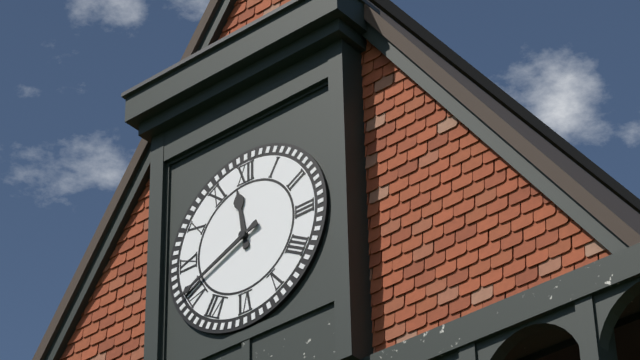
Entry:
**11:41**
